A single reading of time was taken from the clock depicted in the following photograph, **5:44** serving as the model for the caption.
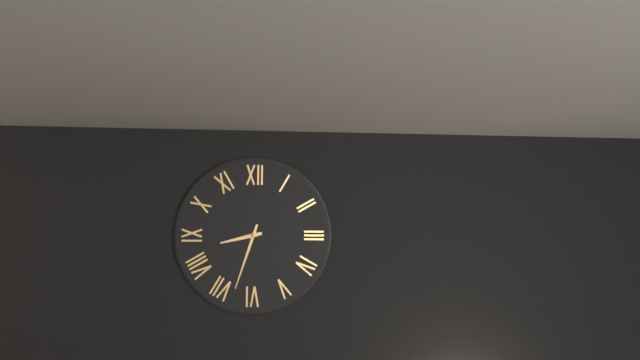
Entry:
**8:33**
